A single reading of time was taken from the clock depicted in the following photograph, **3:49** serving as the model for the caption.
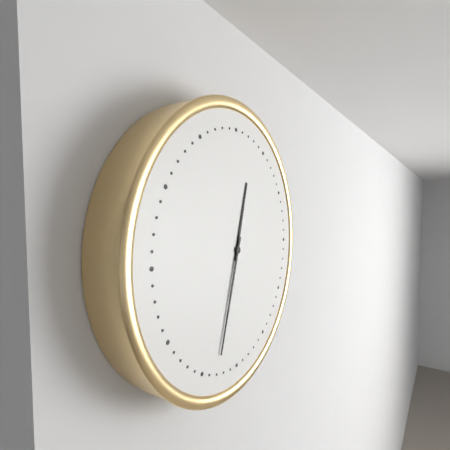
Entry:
**12:33**
